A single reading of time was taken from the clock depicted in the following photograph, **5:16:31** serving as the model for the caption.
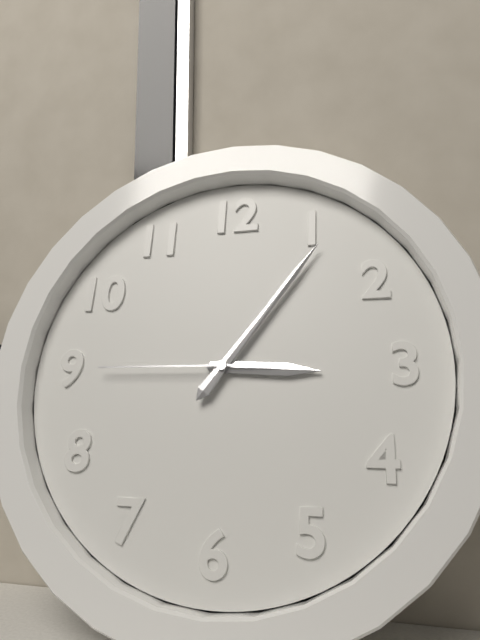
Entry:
**3:06:45**
